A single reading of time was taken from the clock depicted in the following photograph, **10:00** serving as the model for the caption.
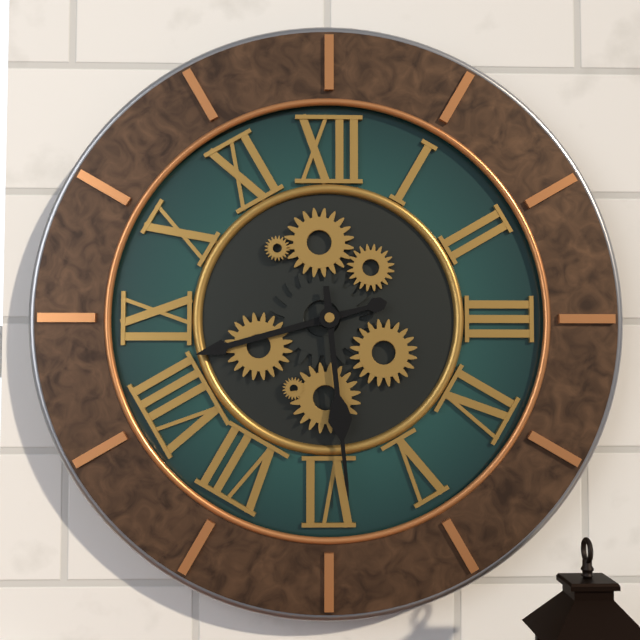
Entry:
**8:29**
